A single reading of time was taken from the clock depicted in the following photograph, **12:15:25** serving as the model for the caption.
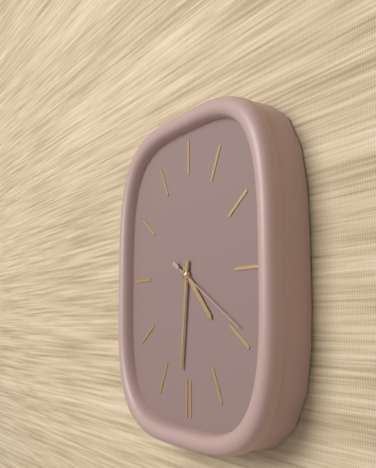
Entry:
**4:31:20**
